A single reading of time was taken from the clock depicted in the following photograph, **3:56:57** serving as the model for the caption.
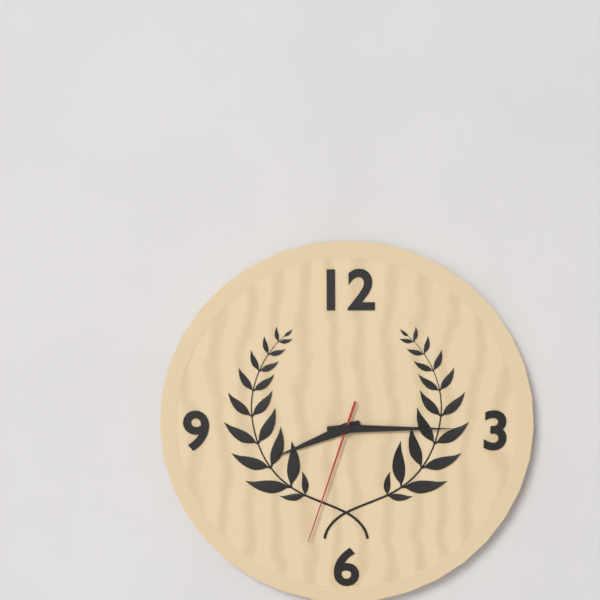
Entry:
**8:15:33**
